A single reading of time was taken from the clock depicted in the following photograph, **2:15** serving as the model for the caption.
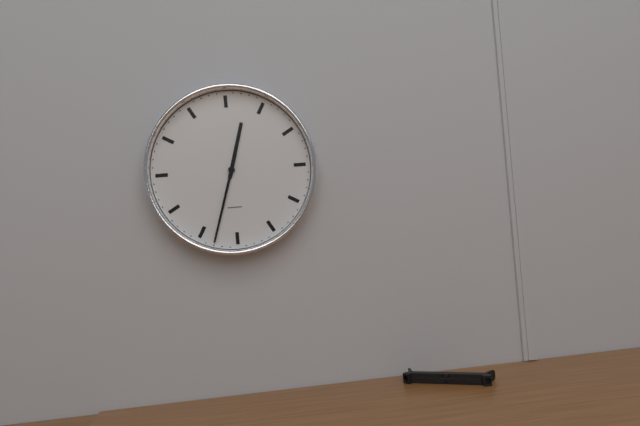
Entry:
**12:33**
